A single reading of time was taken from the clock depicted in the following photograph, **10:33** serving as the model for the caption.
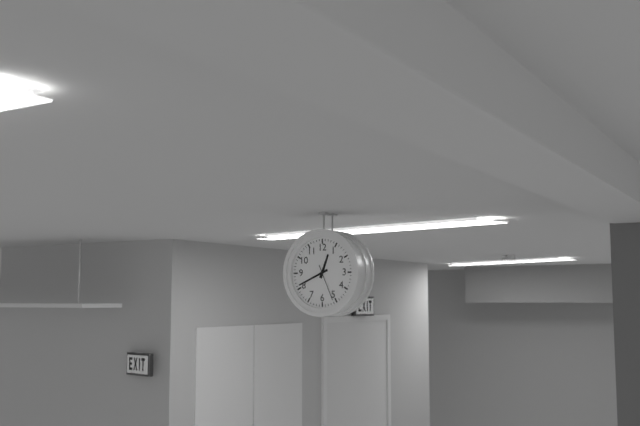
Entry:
**12:41**
